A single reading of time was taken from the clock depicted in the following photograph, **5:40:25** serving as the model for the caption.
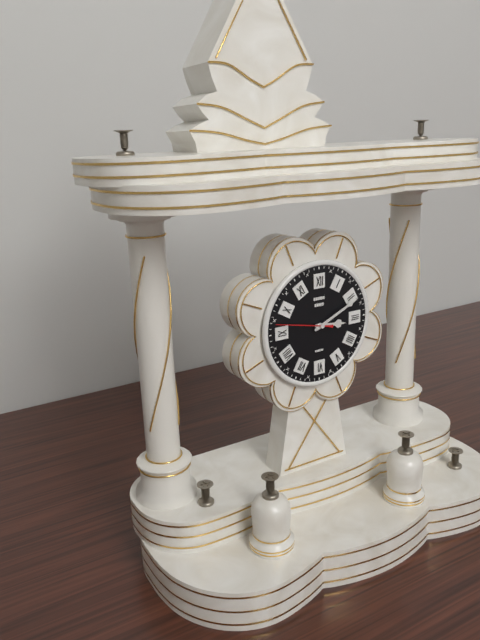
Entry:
**3:11:47**
